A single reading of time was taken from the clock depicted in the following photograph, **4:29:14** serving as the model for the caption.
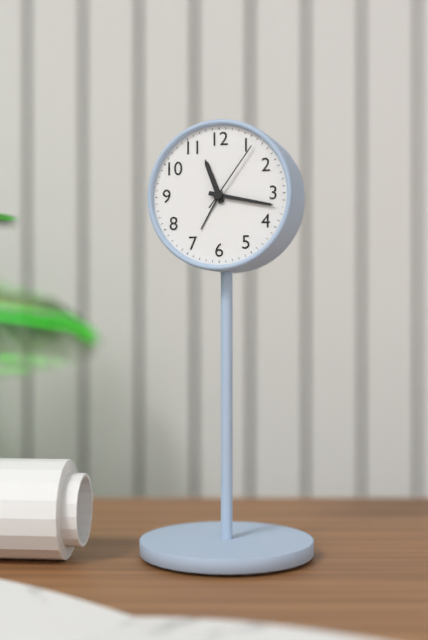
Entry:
**11:17:06**
